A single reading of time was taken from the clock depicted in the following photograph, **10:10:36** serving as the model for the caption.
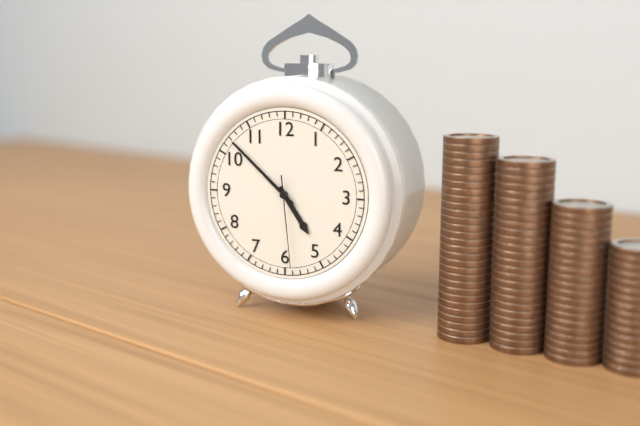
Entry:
**4:52:29**
